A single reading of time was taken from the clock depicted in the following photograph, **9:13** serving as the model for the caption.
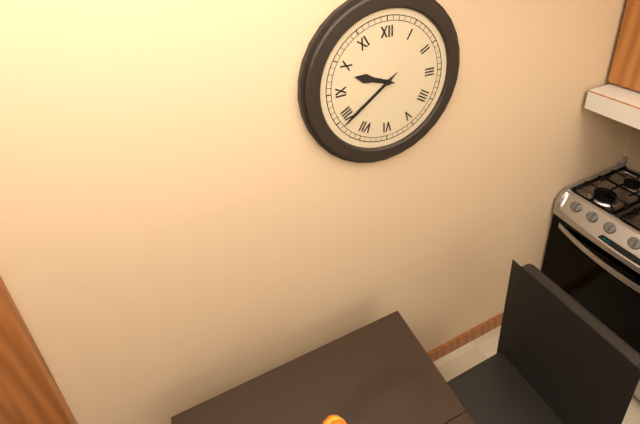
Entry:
**9:39**
